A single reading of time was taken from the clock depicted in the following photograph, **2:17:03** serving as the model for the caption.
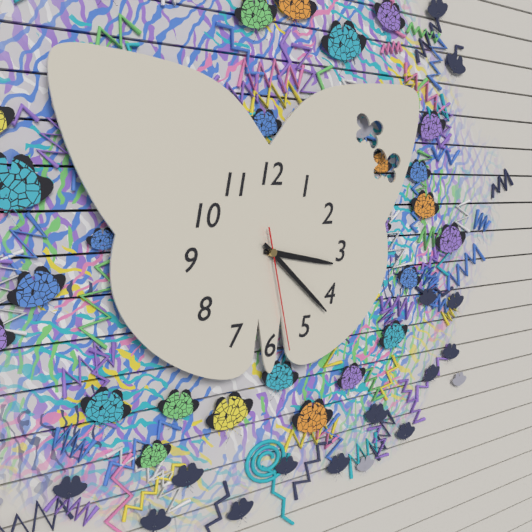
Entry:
**3:22:28**
